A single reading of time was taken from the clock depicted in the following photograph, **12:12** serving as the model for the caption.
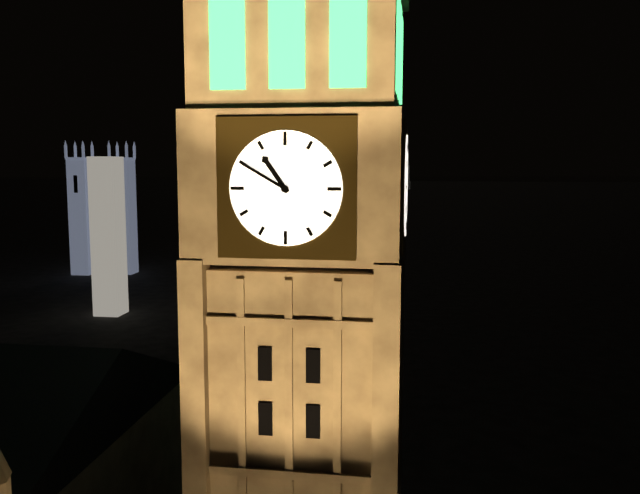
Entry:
**10:50**
